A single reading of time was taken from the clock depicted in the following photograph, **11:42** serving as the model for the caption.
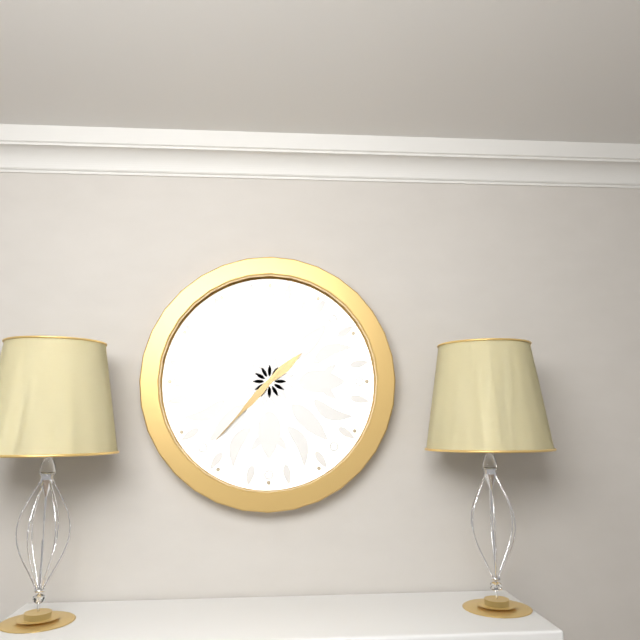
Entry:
**1:37**
